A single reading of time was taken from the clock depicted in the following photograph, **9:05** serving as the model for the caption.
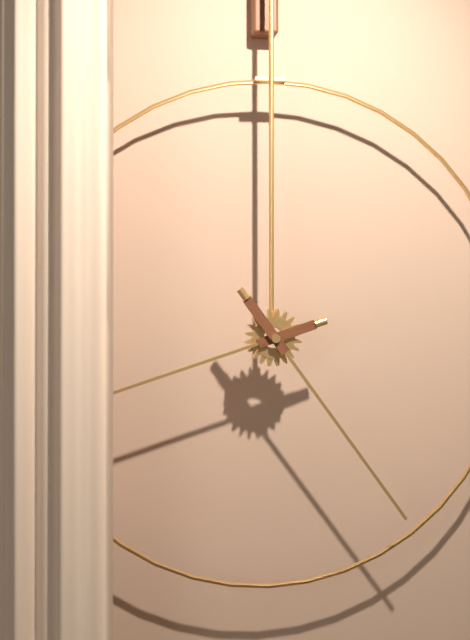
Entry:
**8:24**
